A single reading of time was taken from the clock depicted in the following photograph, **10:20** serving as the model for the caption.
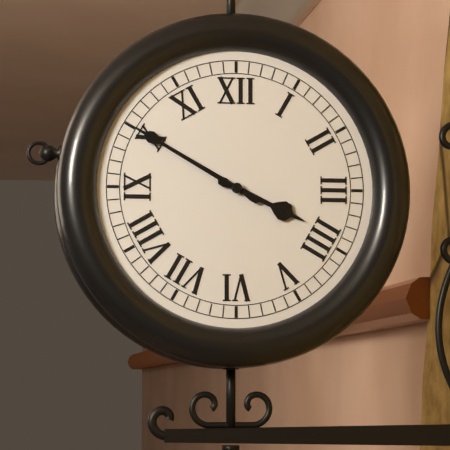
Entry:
**3:50**
